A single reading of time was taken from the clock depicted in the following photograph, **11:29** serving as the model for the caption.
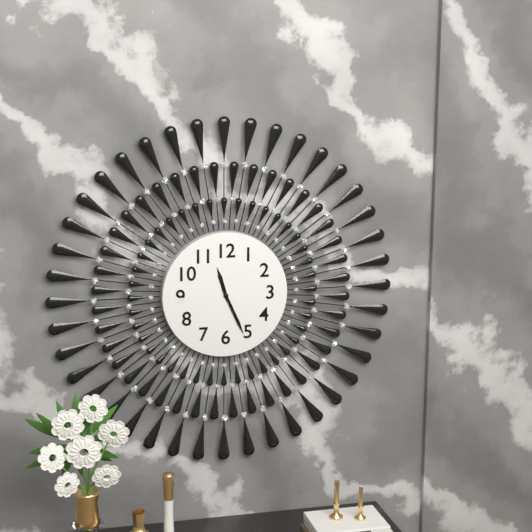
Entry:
**11:26**
